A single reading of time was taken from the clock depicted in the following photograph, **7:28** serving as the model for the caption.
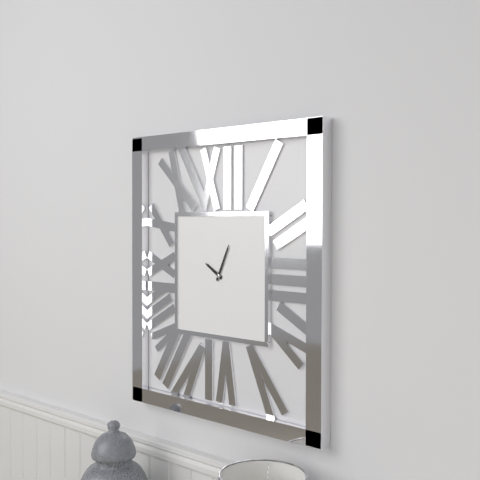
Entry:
**10:04**
